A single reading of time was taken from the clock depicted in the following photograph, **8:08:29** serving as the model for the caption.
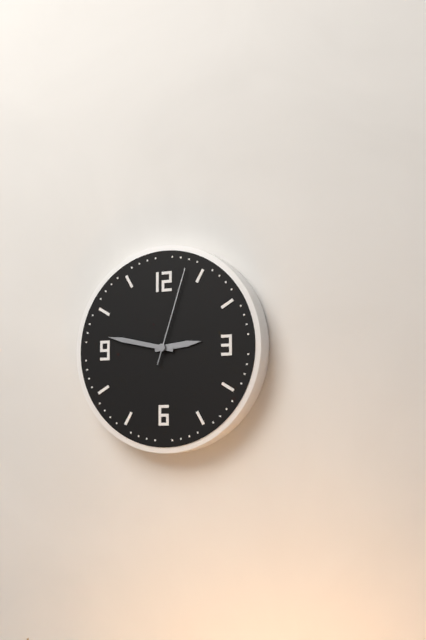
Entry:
**2:47:03**
